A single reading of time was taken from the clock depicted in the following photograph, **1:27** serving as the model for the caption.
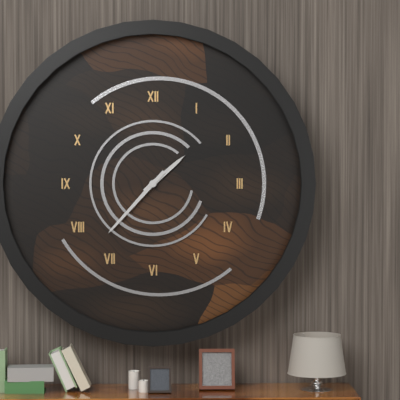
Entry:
**1:37**
